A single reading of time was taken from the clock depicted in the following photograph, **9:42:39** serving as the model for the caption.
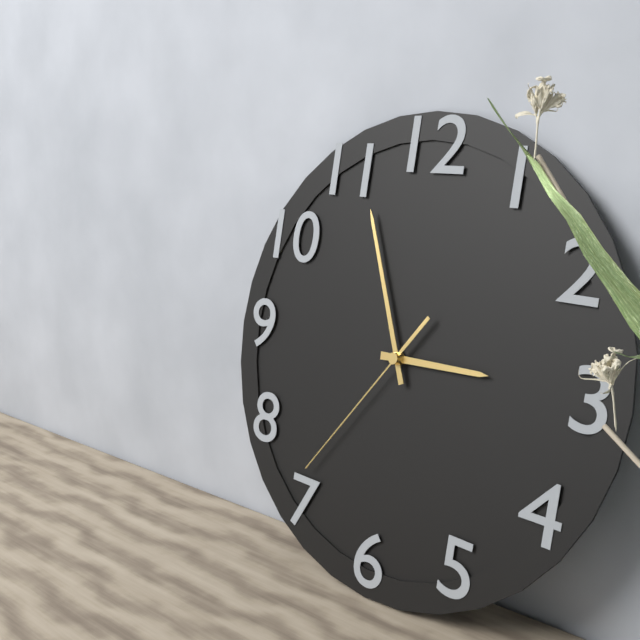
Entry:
**2:56:36**
